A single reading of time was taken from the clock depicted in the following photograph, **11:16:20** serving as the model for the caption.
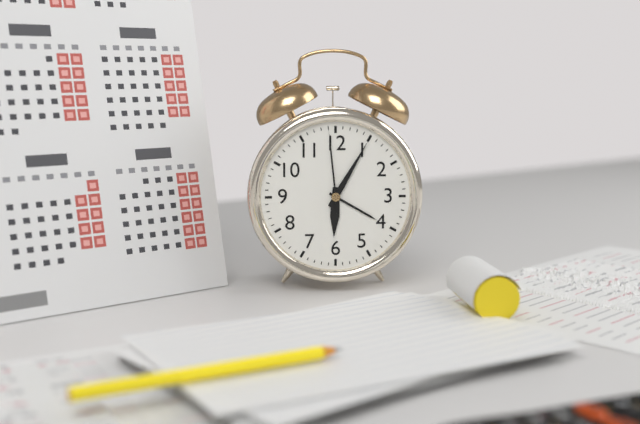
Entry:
**6:05:59**
